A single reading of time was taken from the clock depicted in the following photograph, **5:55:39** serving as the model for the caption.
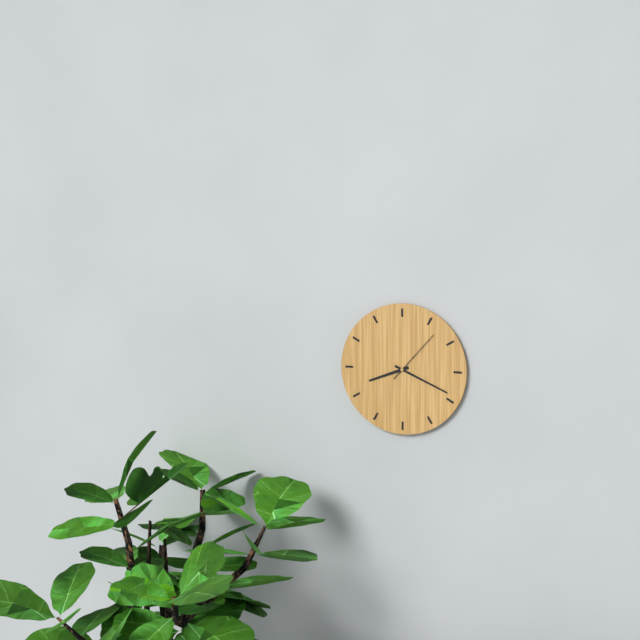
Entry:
**8:19:07**
